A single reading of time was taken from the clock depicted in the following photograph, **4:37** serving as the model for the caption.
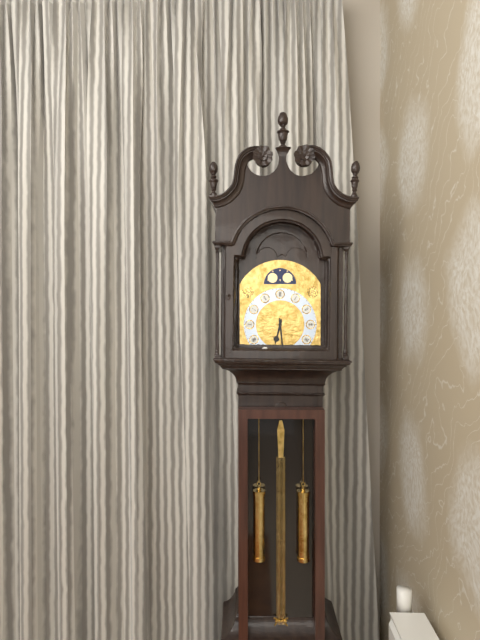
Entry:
**6:29**
